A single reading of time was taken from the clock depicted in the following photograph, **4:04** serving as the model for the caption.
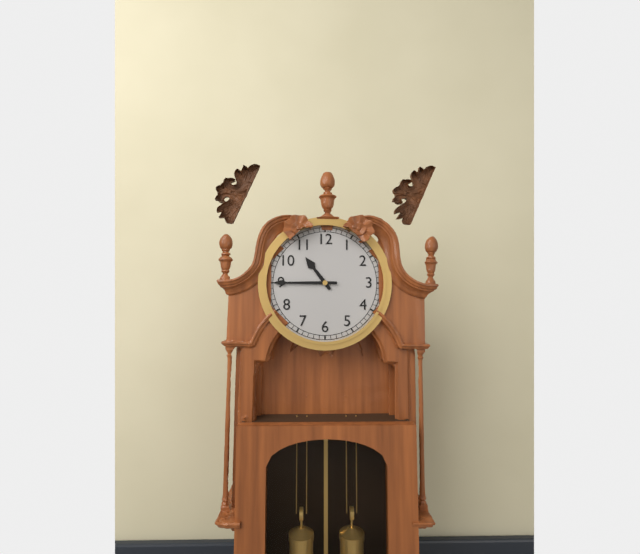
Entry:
**10:45**
